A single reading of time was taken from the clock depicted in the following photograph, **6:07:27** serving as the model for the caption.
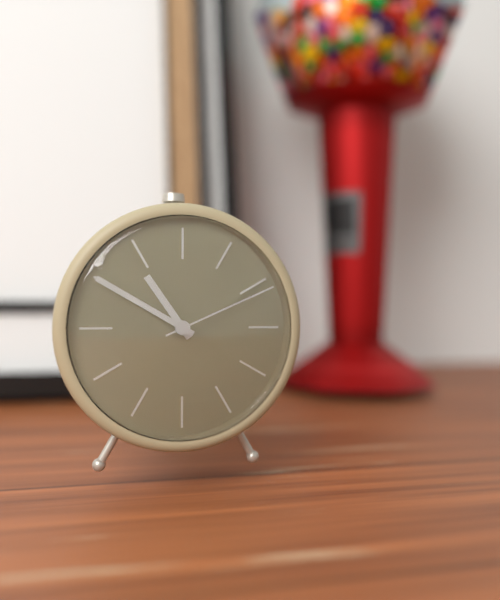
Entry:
**10:50:11**
